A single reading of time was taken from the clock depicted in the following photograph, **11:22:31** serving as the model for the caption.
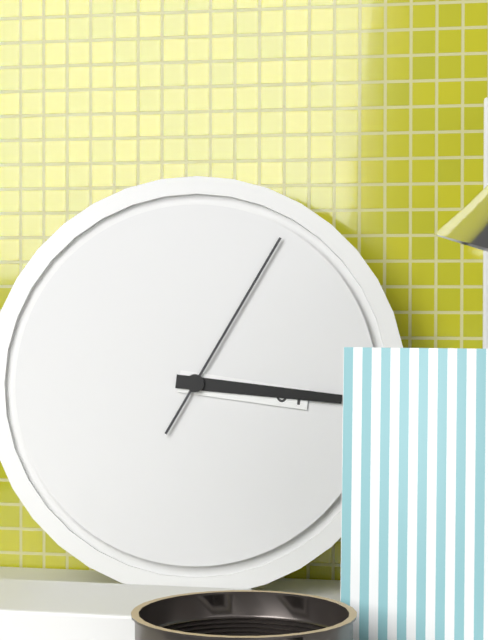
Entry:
**3:16:05**
